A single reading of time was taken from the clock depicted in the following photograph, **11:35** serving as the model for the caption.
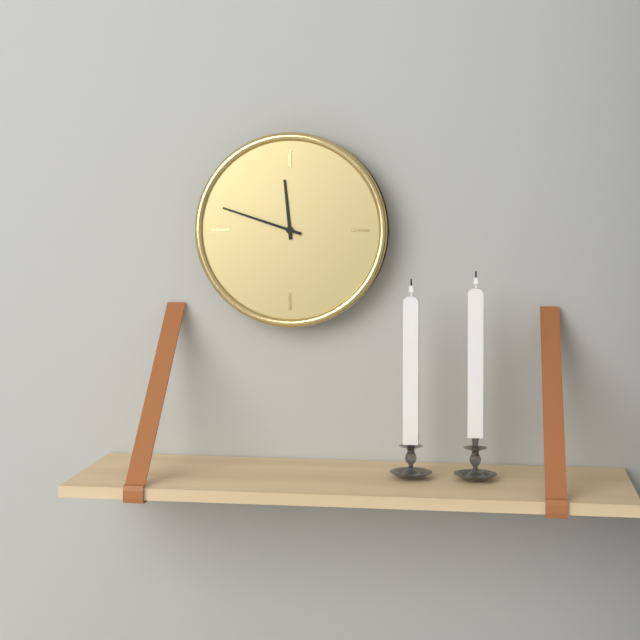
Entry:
**11:48**
